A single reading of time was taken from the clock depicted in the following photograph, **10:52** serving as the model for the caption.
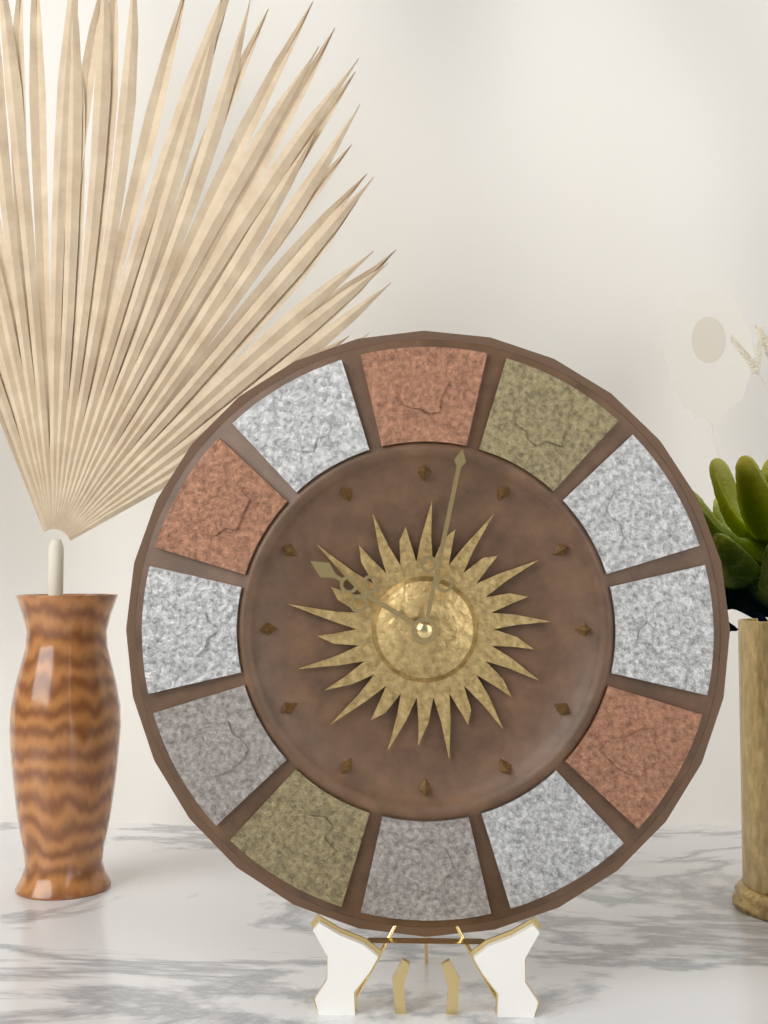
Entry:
**10:02**
